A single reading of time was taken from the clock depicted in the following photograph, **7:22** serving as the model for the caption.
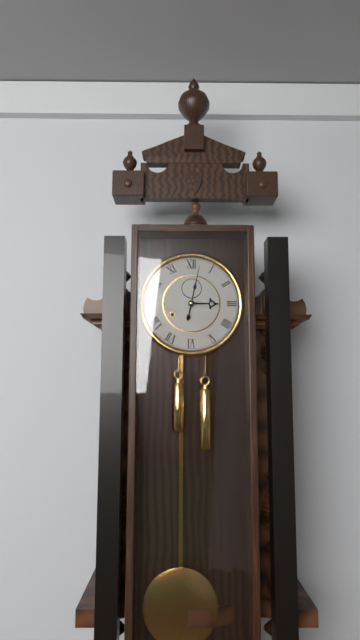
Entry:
**3:02**
